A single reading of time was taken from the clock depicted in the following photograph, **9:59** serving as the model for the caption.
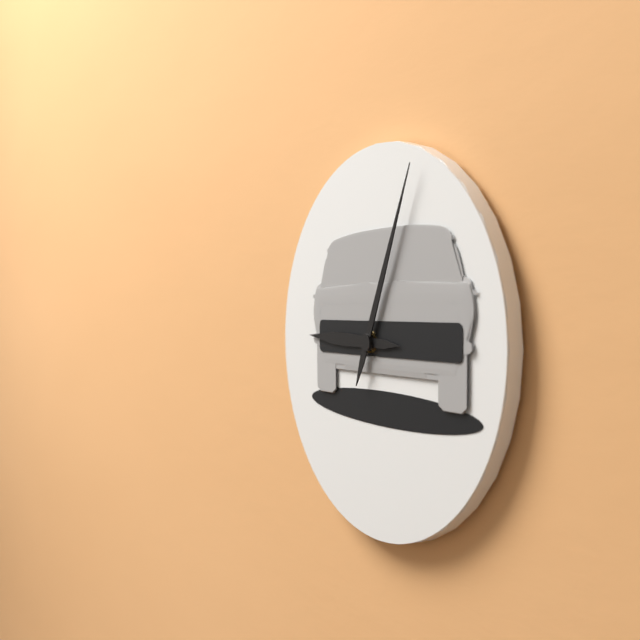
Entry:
**9:04**
